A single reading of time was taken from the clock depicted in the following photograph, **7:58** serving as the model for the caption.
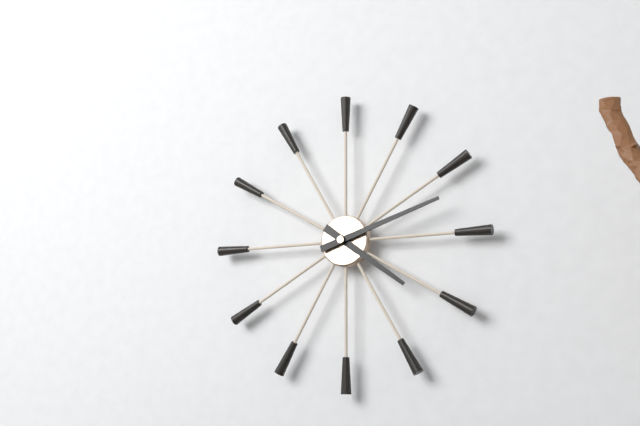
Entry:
**4:12**
